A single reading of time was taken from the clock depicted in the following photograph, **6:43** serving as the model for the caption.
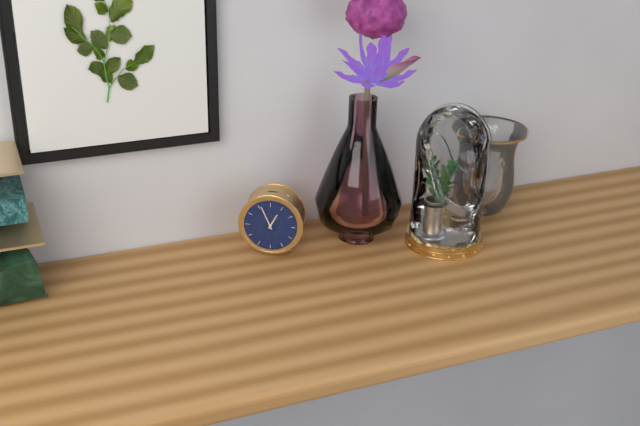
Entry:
**12:56**
